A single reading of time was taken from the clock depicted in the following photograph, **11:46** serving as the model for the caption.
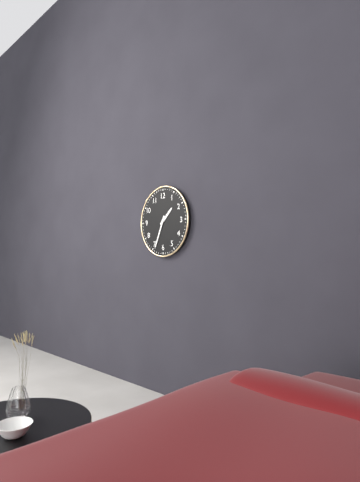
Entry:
**1:34**
